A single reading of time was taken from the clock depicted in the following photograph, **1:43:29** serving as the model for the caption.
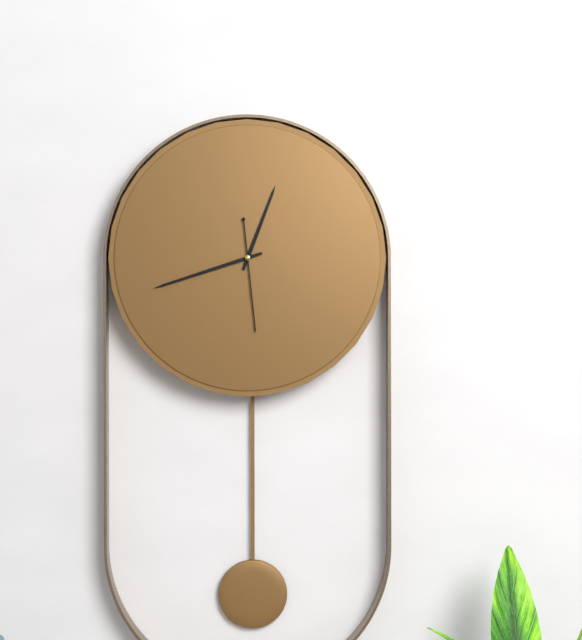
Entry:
**12:42:29**
